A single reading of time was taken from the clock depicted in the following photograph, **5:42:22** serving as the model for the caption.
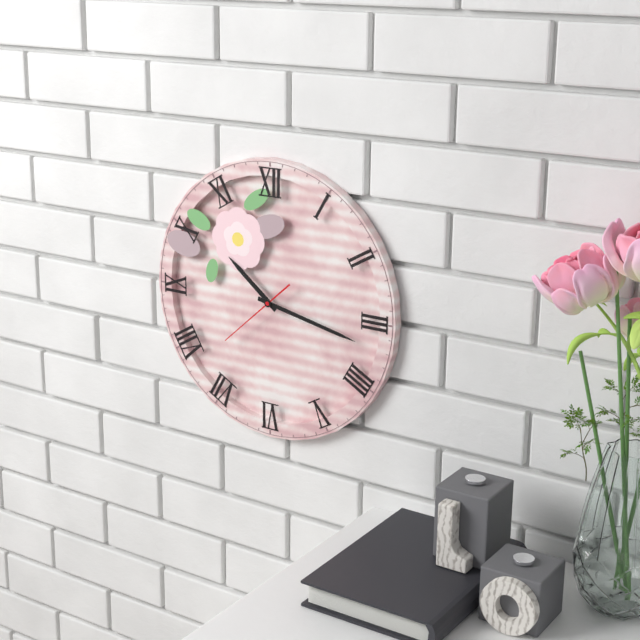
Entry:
**10:17:38**
